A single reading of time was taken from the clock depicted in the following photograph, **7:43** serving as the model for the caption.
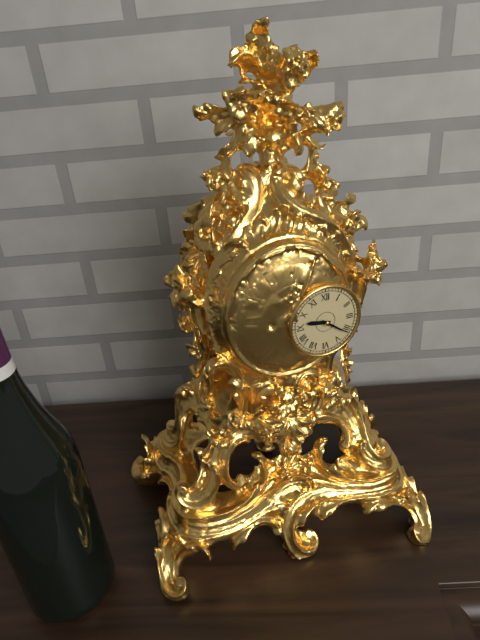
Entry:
**9:21**
